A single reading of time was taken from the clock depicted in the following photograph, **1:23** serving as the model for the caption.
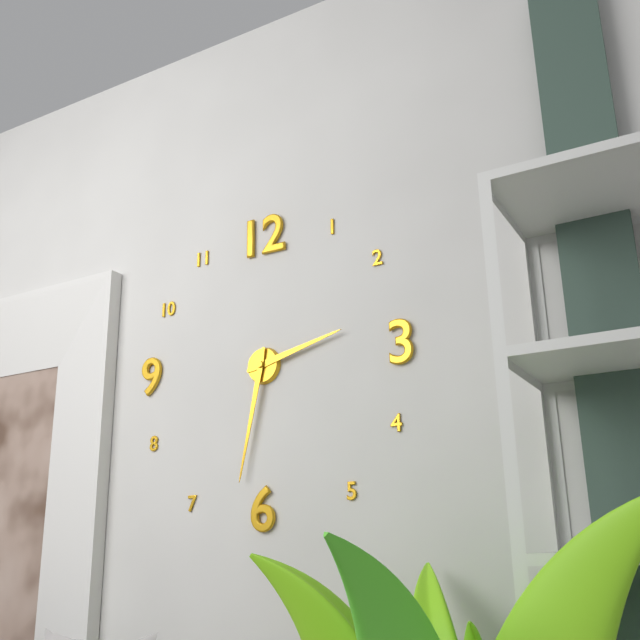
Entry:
**2:32**
